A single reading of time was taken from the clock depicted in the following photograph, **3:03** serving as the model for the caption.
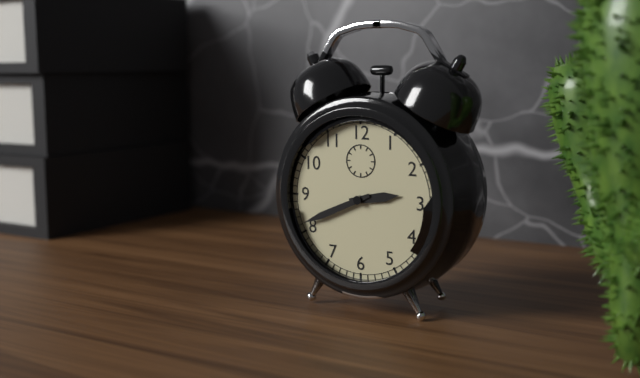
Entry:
**2:41**
